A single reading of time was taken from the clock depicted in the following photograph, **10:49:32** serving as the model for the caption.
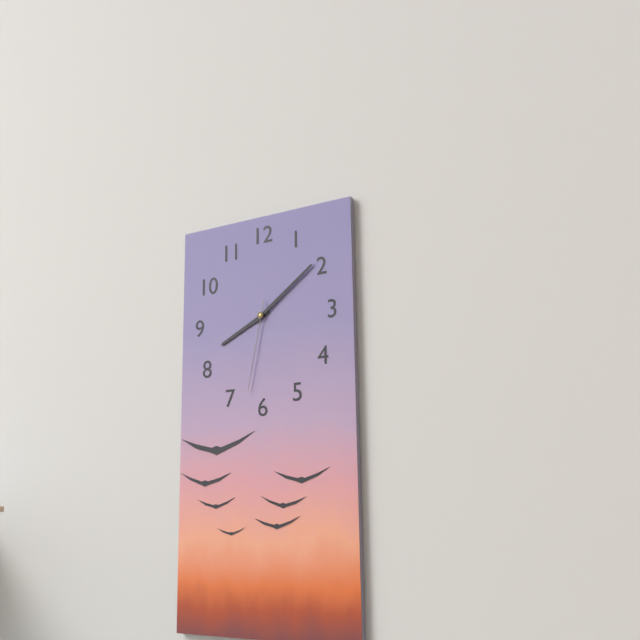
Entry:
**8:09:32**
